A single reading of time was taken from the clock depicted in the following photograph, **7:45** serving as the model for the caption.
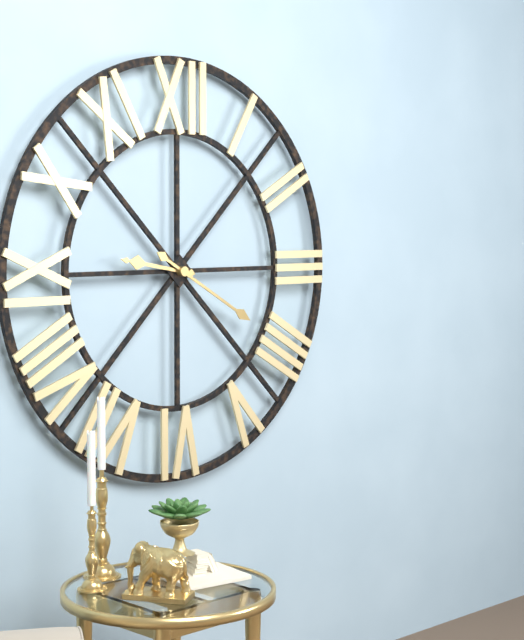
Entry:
**9:20**
